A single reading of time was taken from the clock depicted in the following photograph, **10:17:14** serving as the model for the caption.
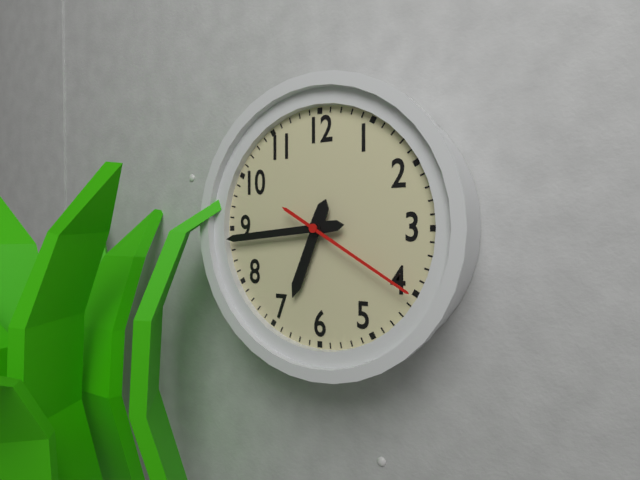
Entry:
**6:44:20**
